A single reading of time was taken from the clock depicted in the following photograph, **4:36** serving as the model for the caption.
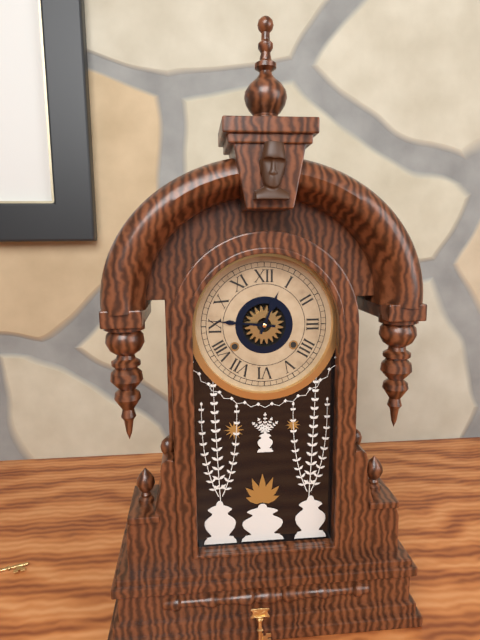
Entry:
**12:46**
